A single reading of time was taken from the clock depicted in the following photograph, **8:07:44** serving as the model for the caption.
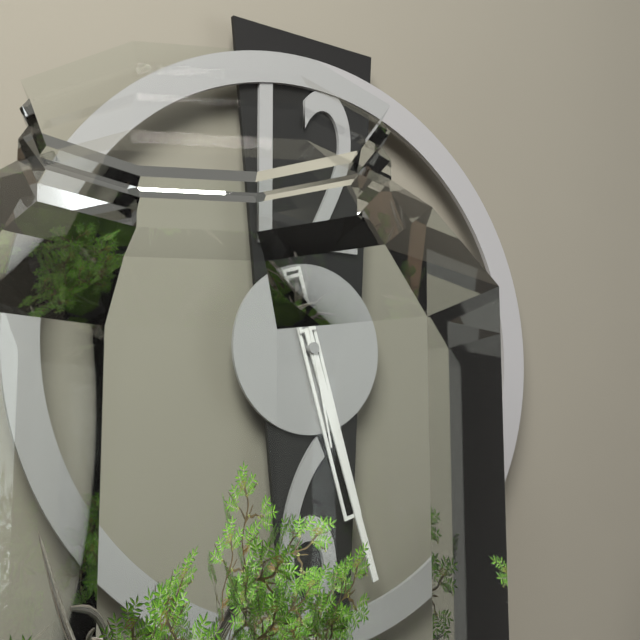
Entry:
**5:27:28**
